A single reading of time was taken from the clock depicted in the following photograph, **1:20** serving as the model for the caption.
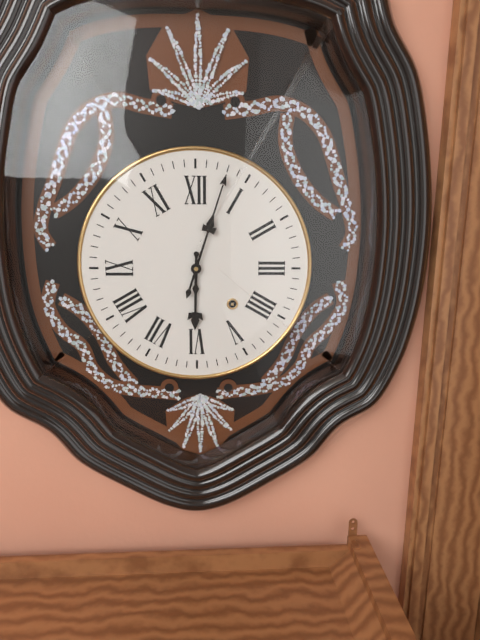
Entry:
**6:03**
